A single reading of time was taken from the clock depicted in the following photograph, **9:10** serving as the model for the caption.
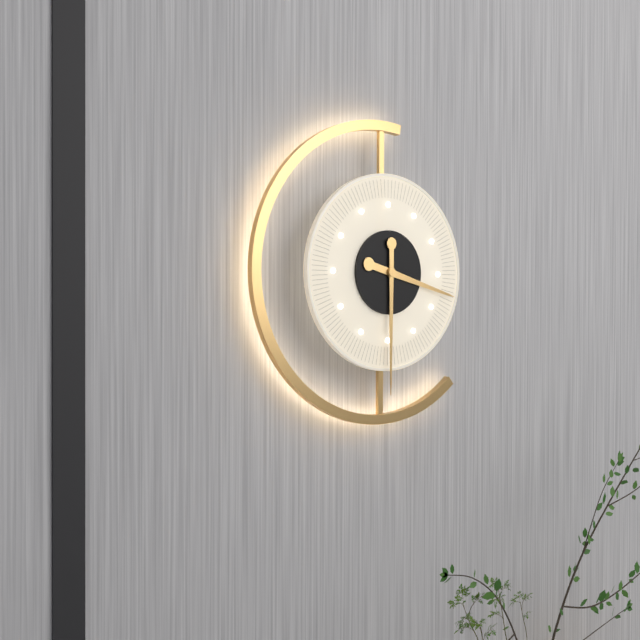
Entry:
**3:30**
